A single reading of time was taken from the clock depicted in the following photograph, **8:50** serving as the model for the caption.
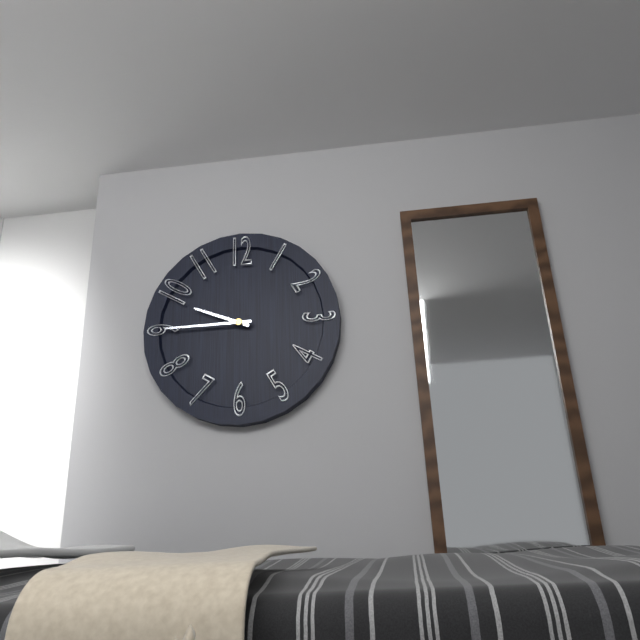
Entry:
**9:45**
